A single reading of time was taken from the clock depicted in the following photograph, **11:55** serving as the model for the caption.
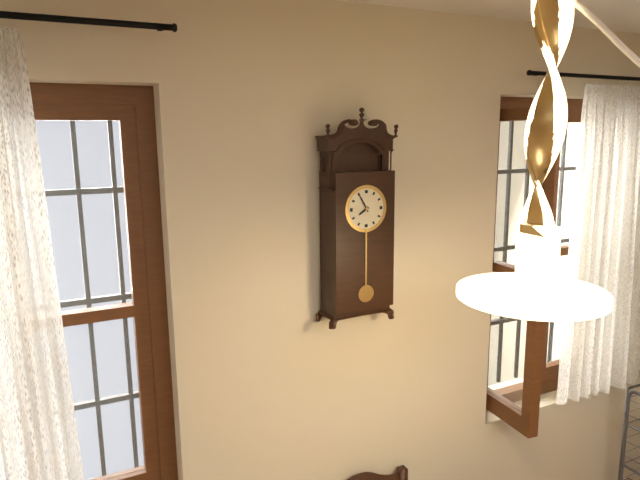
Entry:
**7:55**
